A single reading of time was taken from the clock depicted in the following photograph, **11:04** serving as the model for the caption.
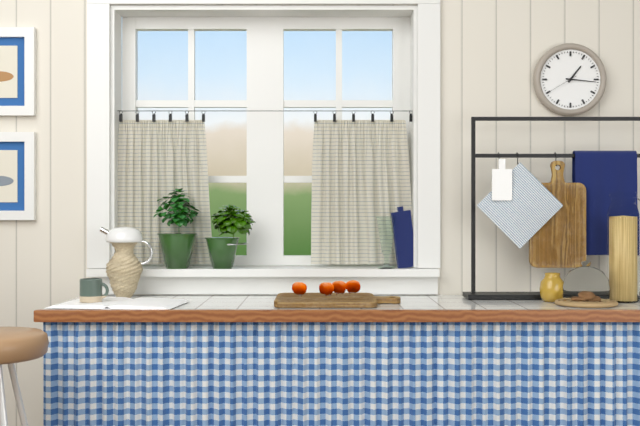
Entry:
**1:16**
